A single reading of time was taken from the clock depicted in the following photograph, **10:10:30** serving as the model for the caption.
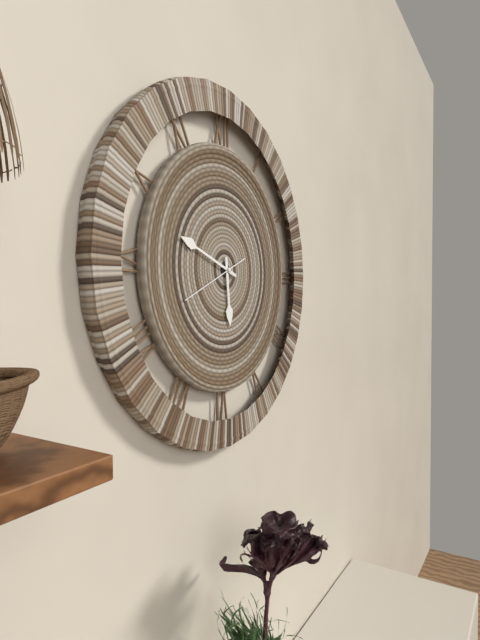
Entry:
**5:48:41**
